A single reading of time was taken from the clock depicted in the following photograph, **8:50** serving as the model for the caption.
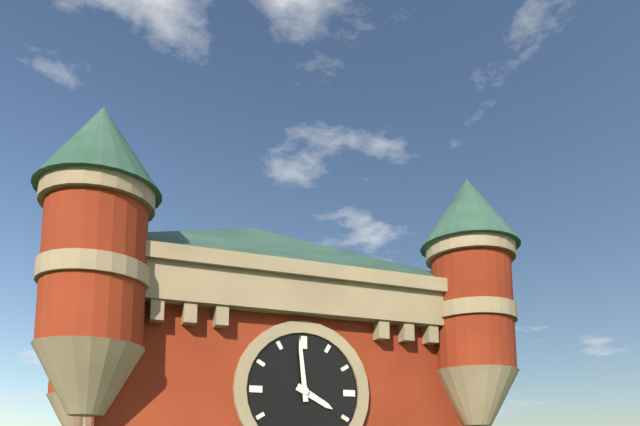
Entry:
**3:59**
